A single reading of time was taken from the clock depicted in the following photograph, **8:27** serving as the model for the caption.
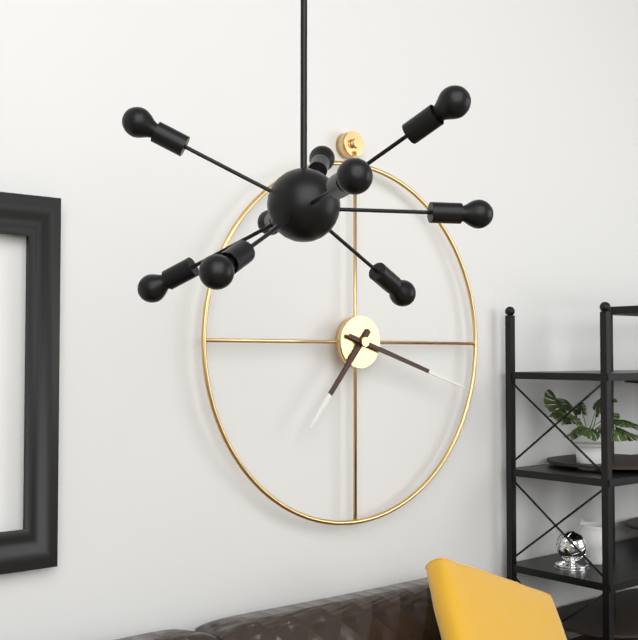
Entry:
**7:18**
